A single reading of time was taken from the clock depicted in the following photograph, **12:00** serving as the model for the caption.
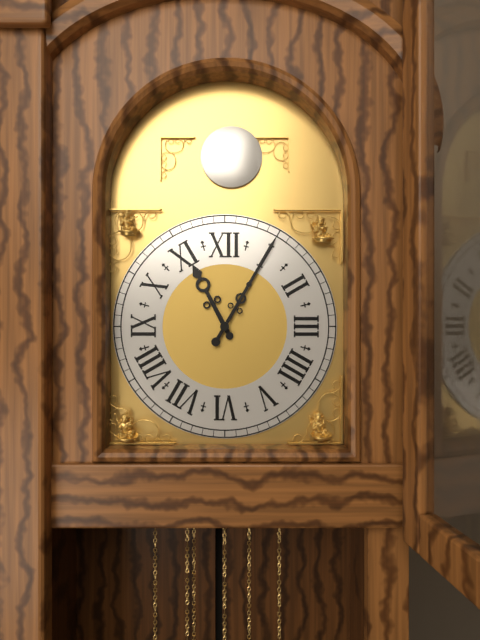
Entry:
**11:05**
